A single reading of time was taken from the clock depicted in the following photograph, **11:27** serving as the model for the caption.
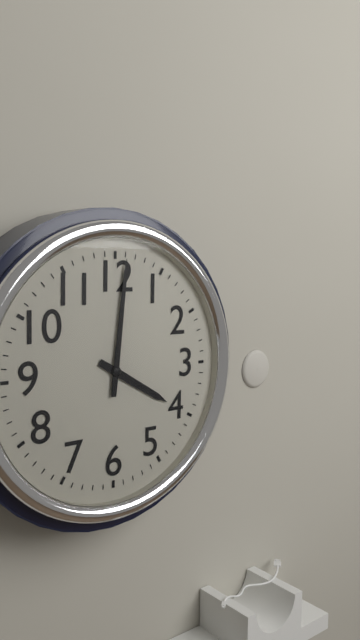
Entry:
**4:01**
